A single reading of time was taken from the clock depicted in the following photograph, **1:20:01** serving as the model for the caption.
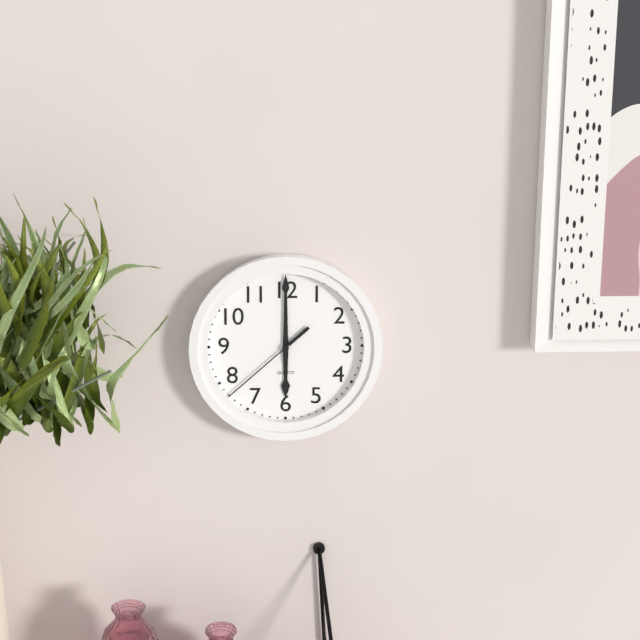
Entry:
**6:00:38**
